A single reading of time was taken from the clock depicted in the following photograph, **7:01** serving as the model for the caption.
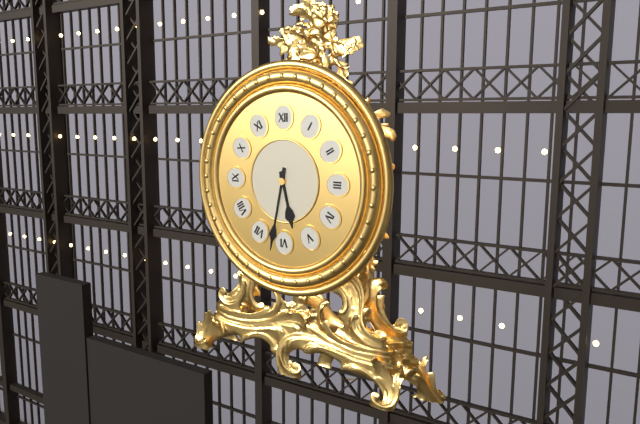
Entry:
**5:32**
